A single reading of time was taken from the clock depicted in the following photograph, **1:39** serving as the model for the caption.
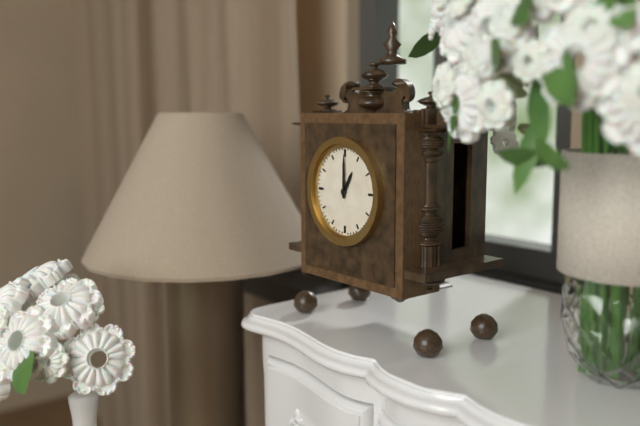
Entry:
**1:00**
